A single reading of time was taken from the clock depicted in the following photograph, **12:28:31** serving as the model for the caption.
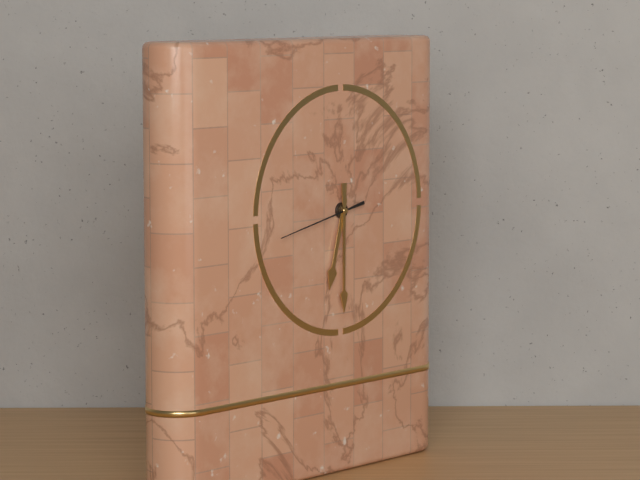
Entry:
**6:30:43**
